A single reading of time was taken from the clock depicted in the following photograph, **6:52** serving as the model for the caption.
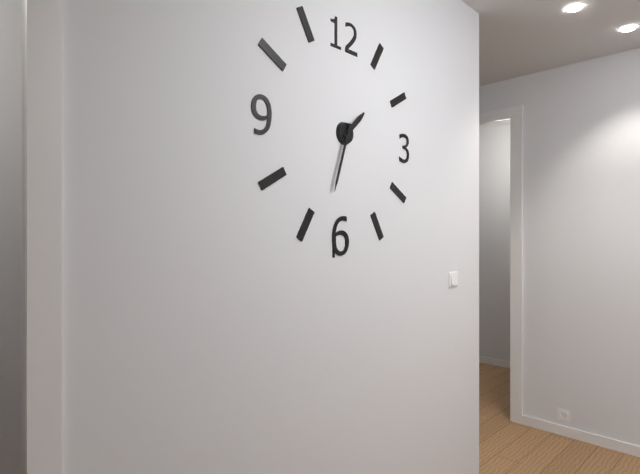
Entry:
**1:33**
